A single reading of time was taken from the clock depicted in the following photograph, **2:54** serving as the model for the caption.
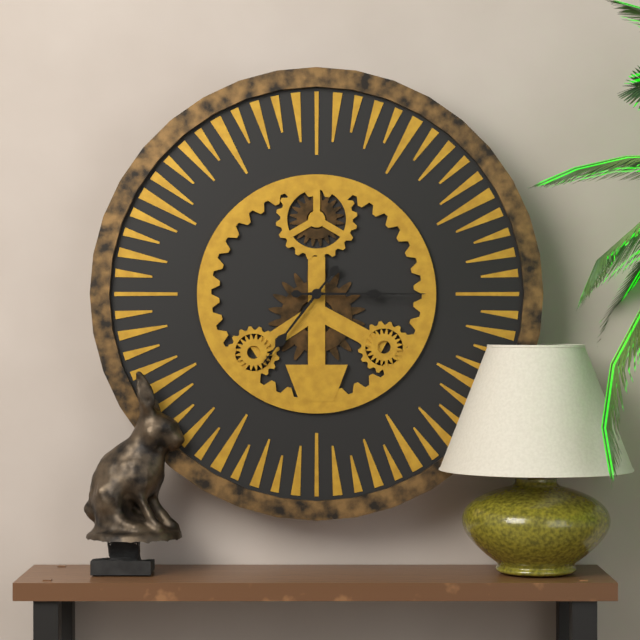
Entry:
**7:15**
